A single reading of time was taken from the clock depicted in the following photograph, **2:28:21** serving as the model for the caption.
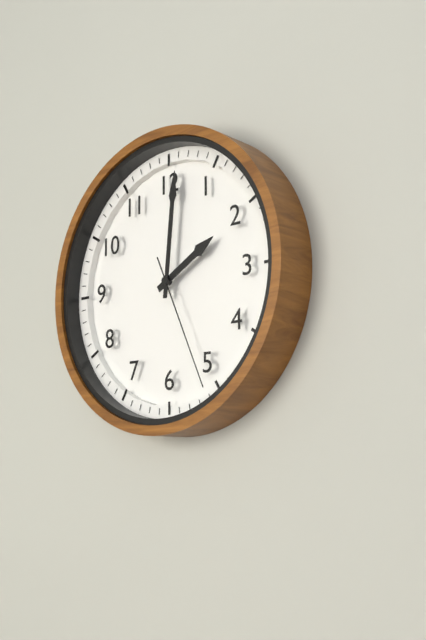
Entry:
**2:01:26**
